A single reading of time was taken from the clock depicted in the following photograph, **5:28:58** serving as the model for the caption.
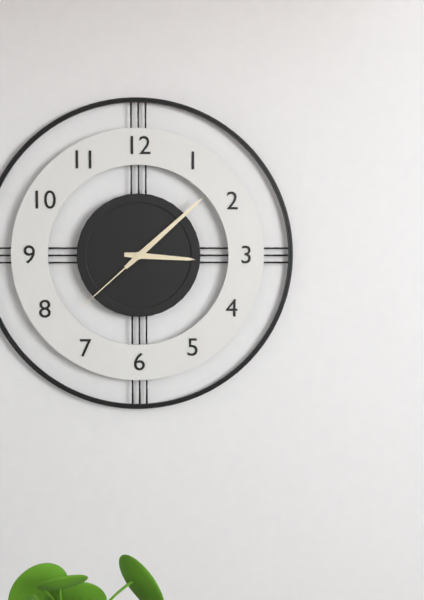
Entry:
**3:08:38**
